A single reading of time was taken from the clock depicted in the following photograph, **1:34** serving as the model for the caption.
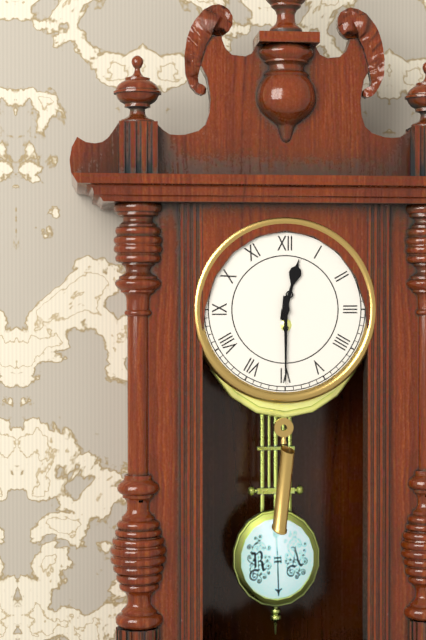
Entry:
**12:30**
